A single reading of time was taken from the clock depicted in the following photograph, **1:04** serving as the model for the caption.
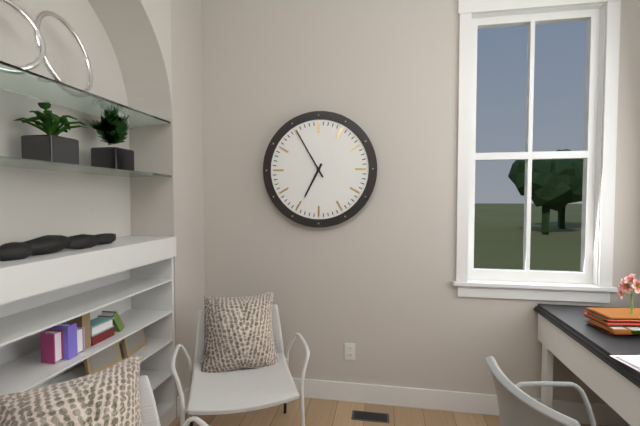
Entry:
**6:55**
